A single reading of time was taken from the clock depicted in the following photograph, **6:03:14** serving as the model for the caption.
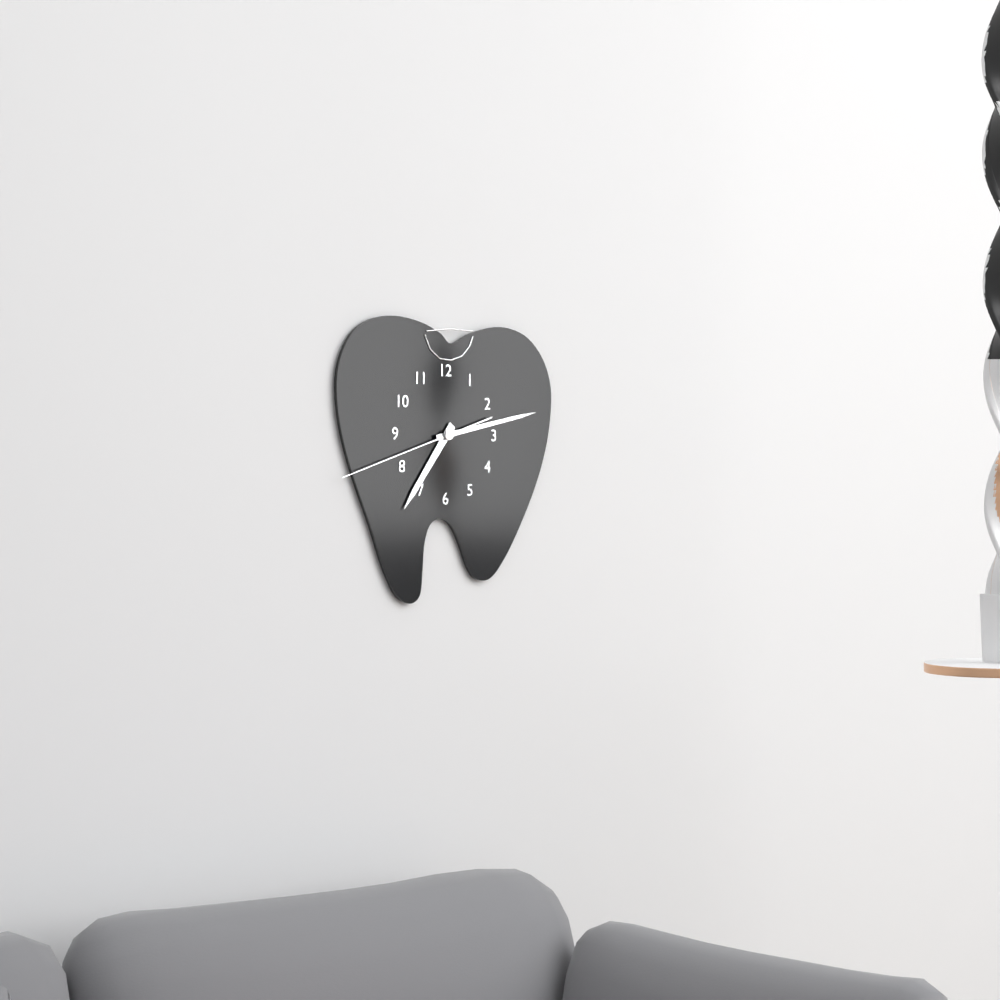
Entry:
**7:13:42**
